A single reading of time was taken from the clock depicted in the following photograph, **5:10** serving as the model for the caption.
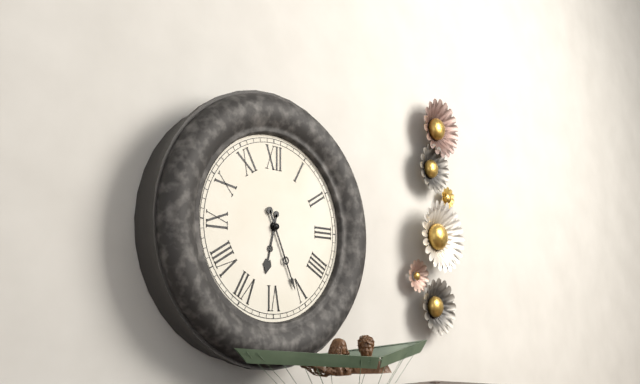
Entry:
**6:26**
